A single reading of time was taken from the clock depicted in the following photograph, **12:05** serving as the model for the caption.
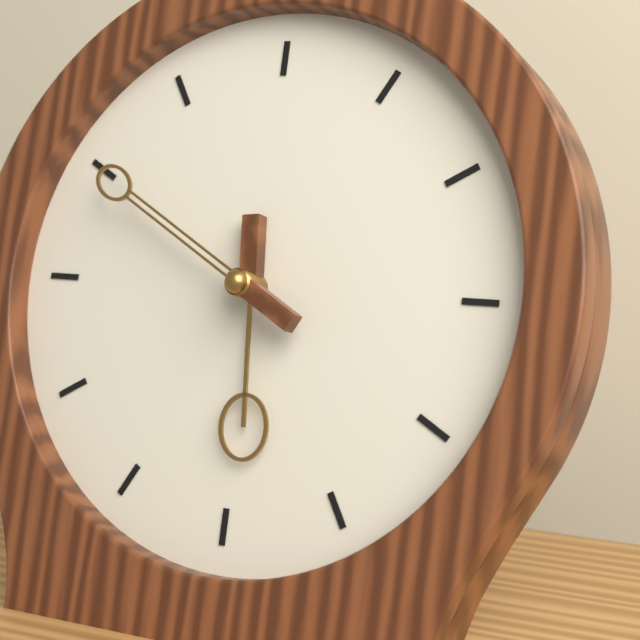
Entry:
**5:50**
